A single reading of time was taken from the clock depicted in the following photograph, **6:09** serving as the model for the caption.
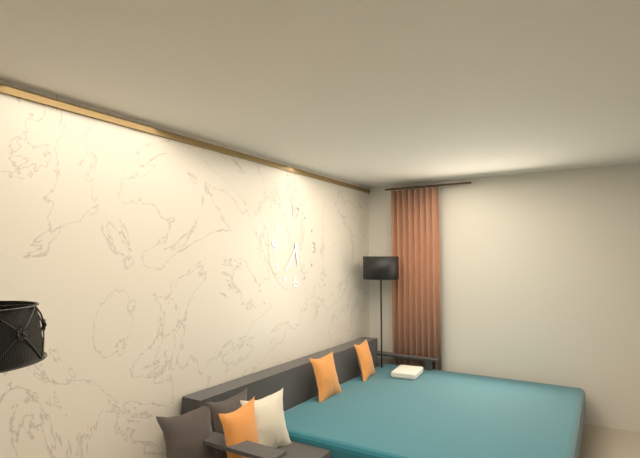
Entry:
**5:36**
